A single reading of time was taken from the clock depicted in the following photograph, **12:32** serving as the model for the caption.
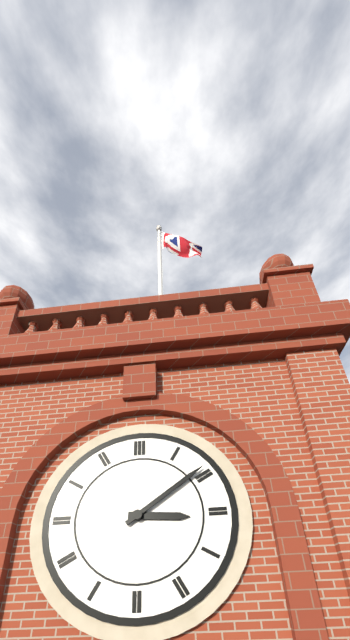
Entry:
**3:09**
